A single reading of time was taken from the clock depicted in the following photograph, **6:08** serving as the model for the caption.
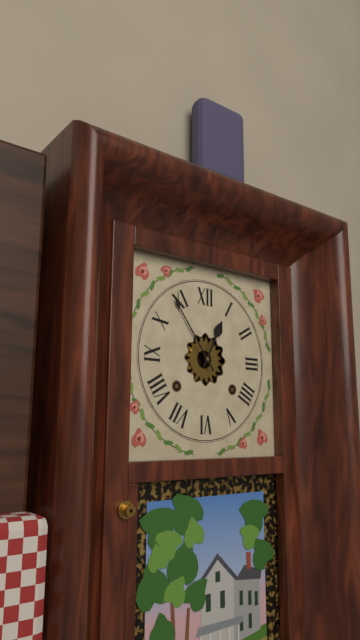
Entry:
**12:54**
